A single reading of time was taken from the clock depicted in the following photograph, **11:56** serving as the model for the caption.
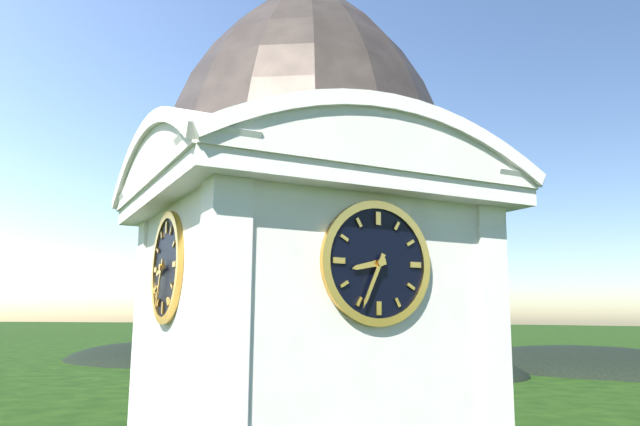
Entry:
**8:34**
